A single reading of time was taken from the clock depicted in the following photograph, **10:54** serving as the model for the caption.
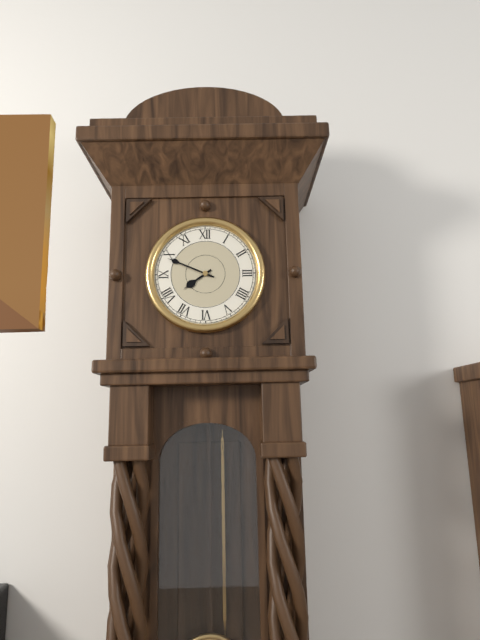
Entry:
**7:49**
